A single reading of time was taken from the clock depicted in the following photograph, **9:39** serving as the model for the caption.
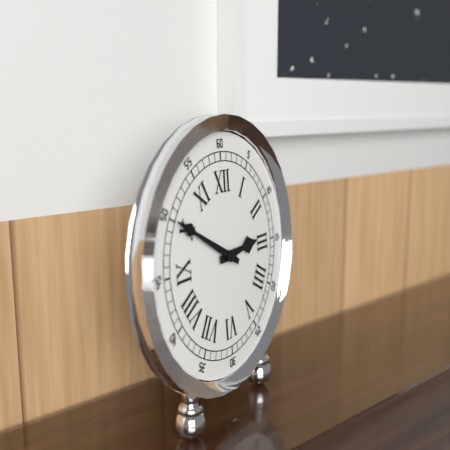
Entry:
**2:50**
